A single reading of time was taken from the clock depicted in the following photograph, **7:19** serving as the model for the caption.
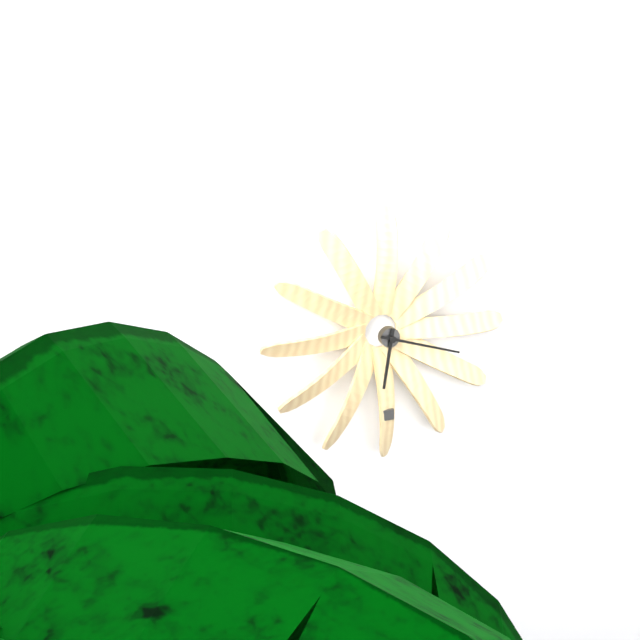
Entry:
**6:18**
